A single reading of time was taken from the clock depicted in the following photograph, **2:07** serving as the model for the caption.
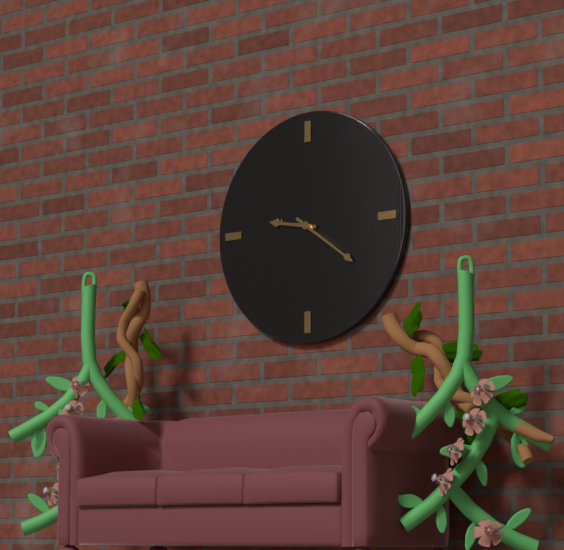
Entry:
**9:21**
